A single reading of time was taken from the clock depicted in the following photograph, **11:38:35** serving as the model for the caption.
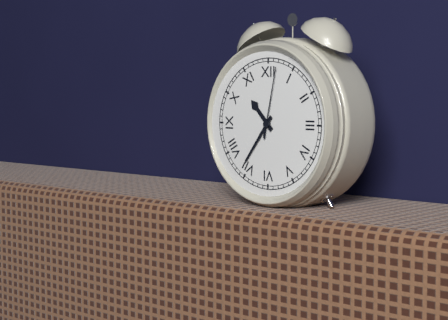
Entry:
**10:36:02**
